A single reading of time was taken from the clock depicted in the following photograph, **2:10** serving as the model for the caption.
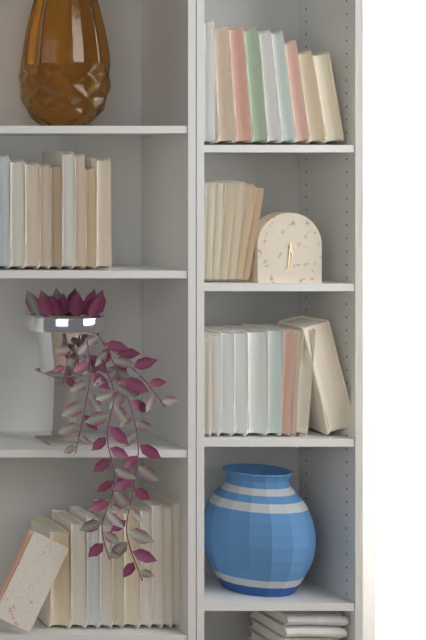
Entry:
**5:31**
